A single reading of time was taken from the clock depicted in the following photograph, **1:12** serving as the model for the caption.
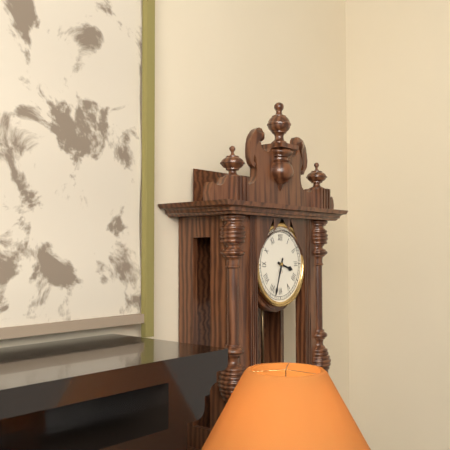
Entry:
**3:33**
